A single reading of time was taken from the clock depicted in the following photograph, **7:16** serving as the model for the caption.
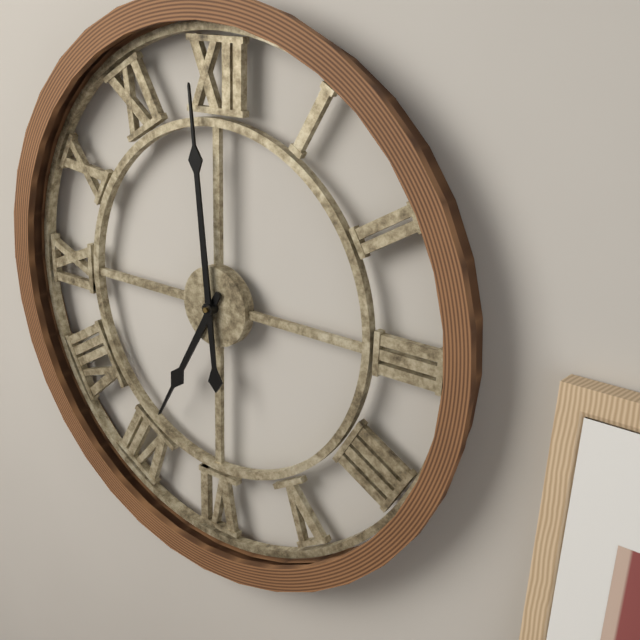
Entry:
**6:59**
